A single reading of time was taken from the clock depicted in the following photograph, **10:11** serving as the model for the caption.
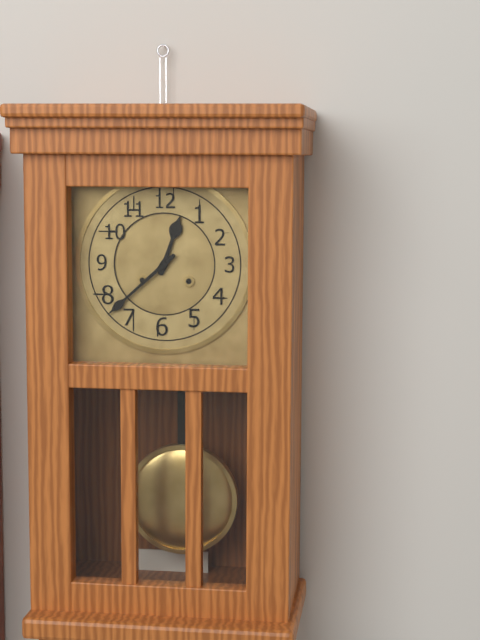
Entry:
**12:38**
